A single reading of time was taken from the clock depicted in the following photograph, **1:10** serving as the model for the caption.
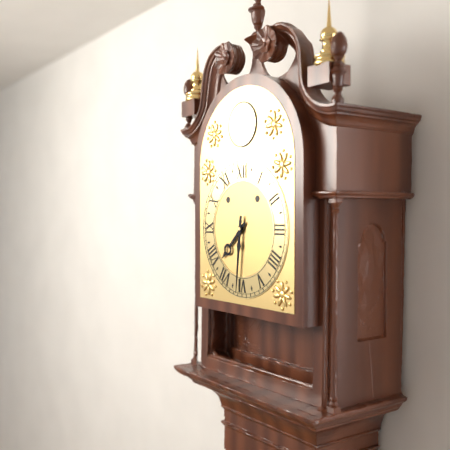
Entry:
**7:31**
